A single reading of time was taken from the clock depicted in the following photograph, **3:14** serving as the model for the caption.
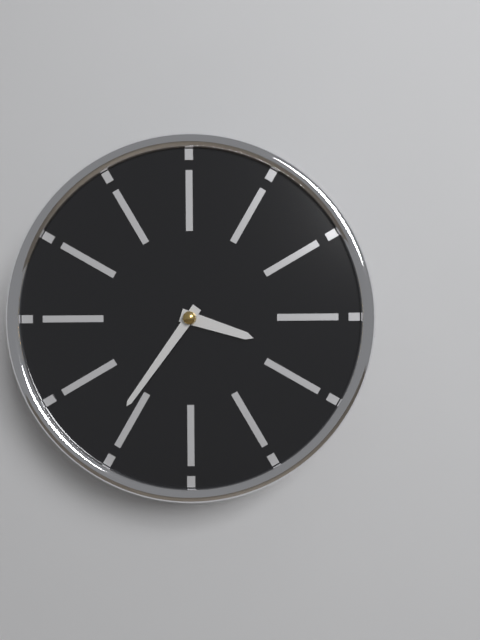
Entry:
**3:36**
